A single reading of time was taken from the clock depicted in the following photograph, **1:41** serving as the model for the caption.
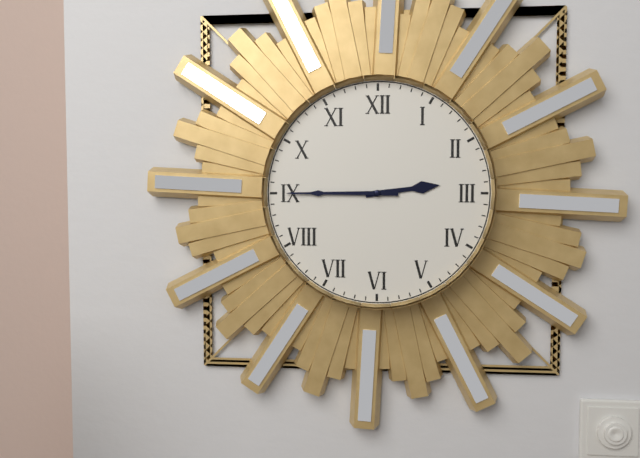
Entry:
**2:45**
